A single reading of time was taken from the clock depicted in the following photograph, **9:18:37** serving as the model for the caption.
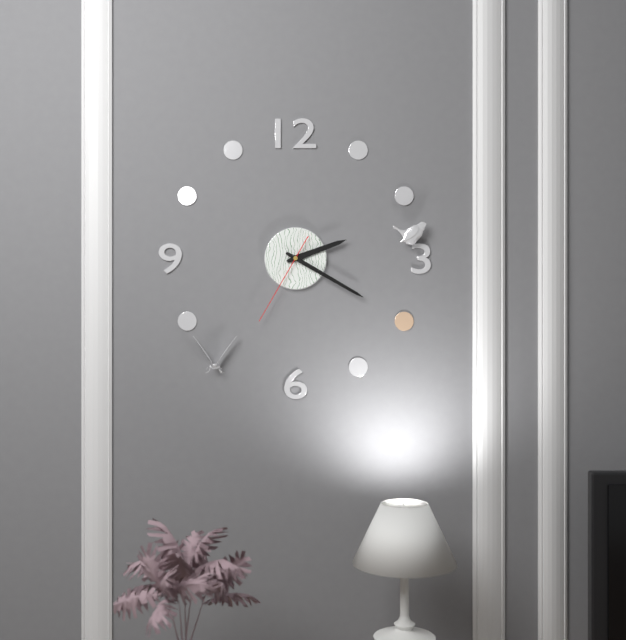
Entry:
**2:20:35**
